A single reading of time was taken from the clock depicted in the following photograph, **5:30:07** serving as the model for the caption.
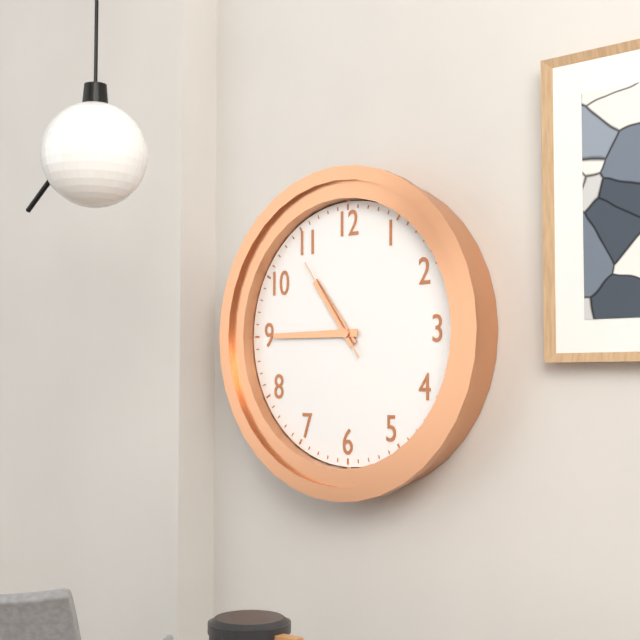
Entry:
**10:45:54**
